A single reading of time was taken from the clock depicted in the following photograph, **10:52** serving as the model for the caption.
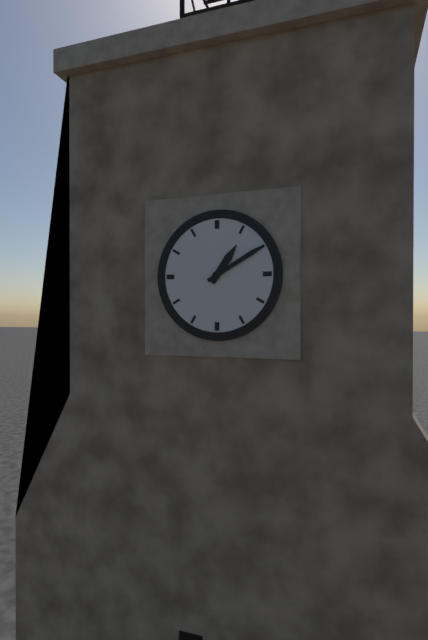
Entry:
**1:10**
